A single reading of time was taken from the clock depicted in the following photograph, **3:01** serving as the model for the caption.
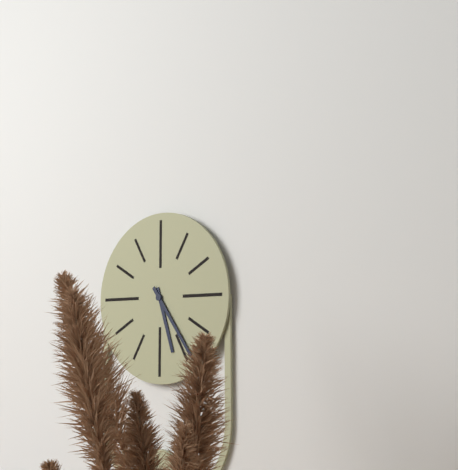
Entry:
**5:24**
